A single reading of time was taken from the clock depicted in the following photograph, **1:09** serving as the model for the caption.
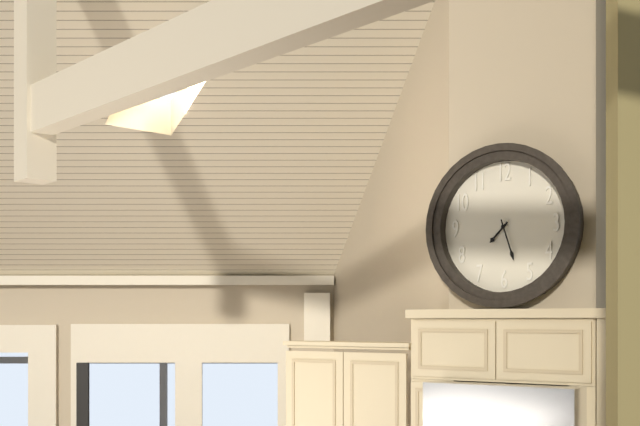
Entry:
**7:27**
